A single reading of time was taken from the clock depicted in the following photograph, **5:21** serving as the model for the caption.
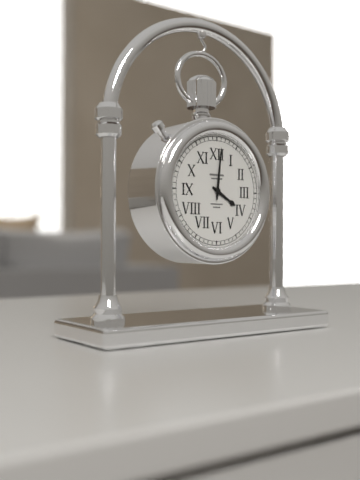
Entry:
**4:01**
